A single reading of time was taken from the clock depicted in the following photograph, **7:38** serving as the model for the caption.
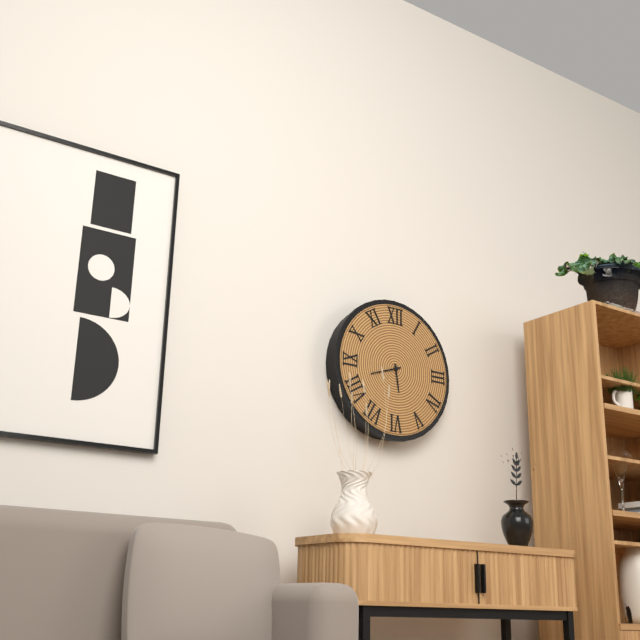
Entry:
**5:42**
